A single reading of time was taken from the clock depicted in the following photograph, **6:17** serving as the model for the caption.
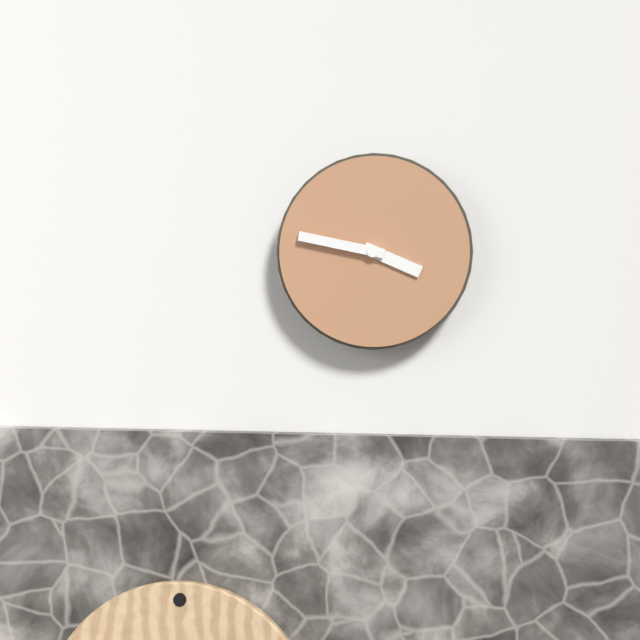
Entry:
**3:47**
